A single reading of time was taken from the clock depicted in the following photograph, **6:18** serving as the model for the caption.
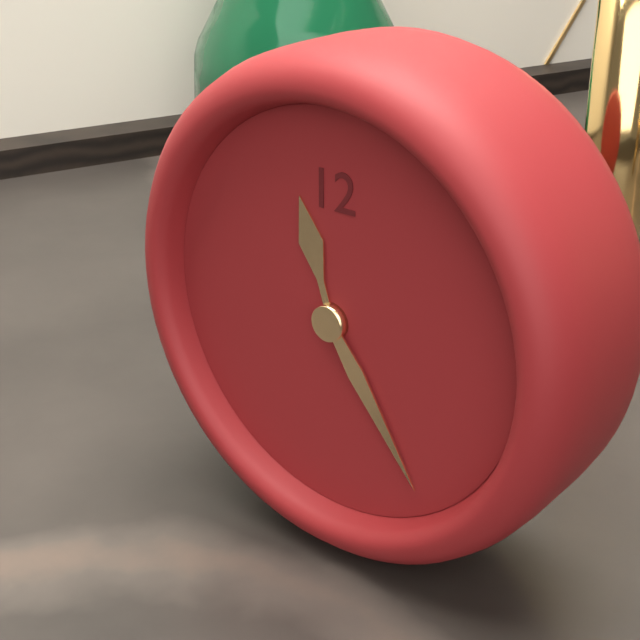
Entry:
**11:24**
